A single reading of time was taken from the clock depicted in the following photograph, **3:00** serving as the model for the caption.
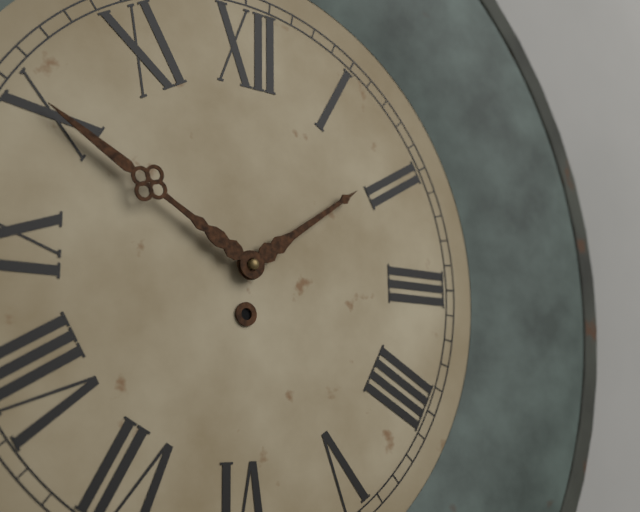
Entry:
**1:50**
